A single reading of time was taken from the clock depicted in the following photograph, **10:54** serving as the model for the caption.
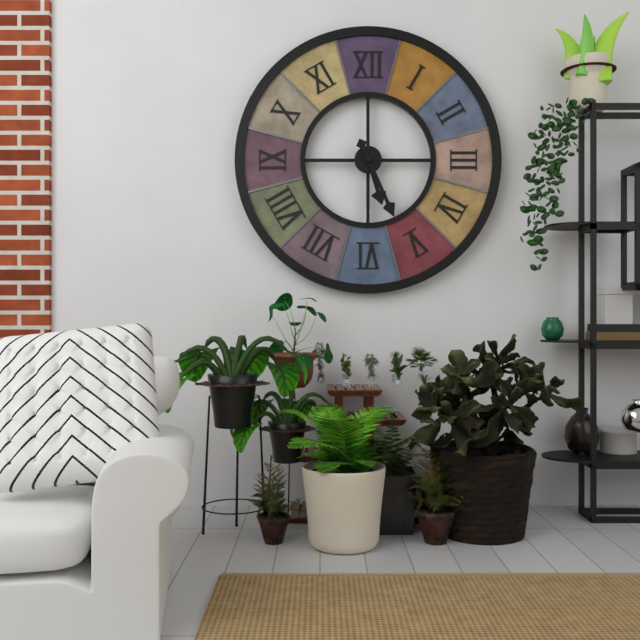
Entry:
**5:26**
